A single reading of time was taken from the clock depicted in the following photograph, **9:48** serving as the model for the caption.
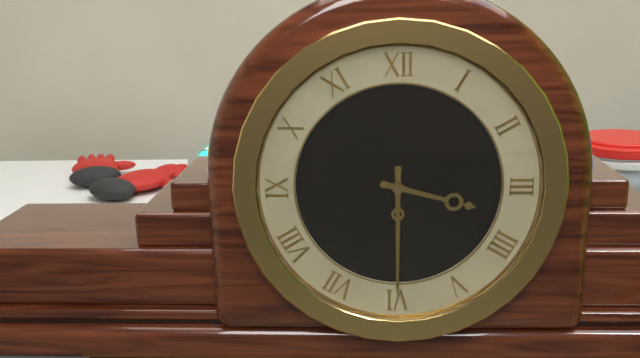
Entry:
**3:30**
